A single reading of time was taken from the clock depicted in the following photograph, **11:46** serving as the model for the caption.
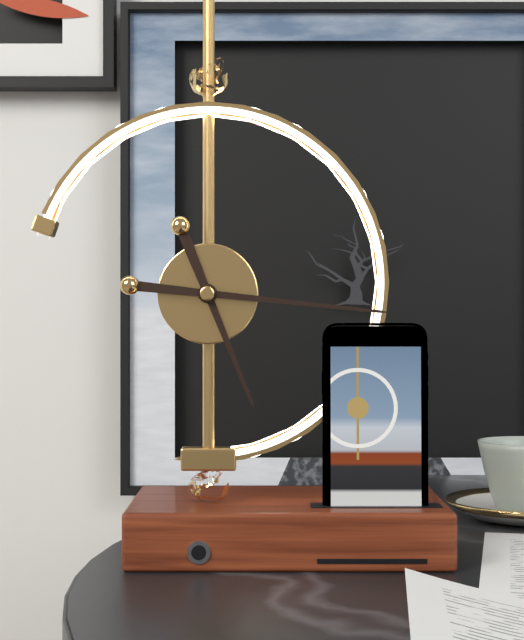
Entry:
**5:16**
